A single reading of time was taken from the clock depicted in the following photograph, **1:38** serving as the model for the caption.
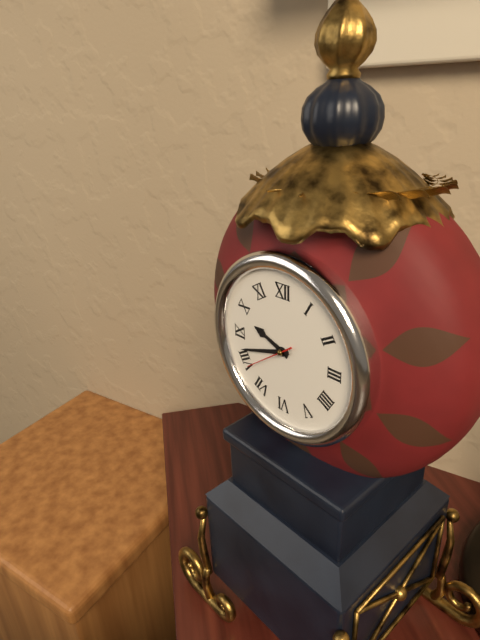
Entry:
**9:42**
